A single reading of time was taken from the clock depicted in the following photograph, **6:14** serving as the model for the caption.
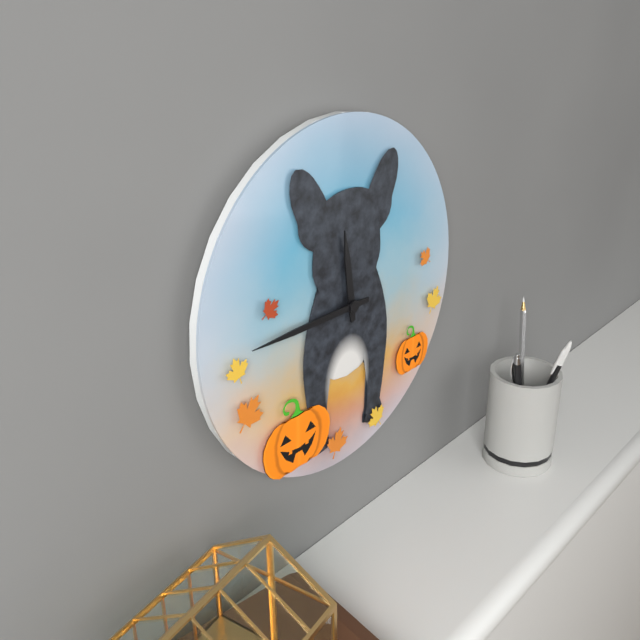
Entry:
**11:45**
